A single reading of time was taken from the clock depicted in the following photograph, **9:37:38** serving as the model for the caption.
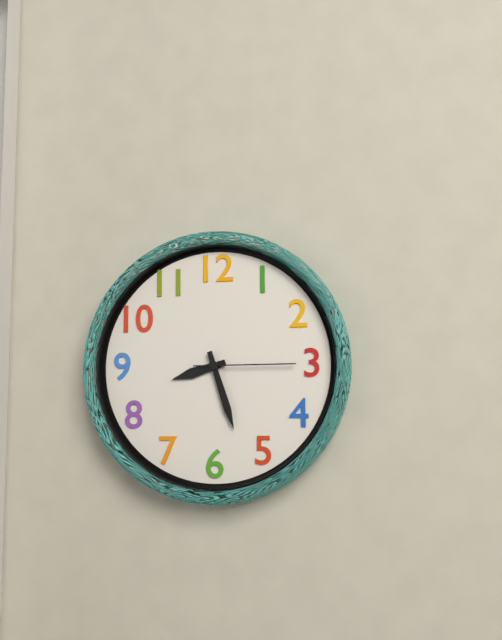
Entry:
**8:27:15**
